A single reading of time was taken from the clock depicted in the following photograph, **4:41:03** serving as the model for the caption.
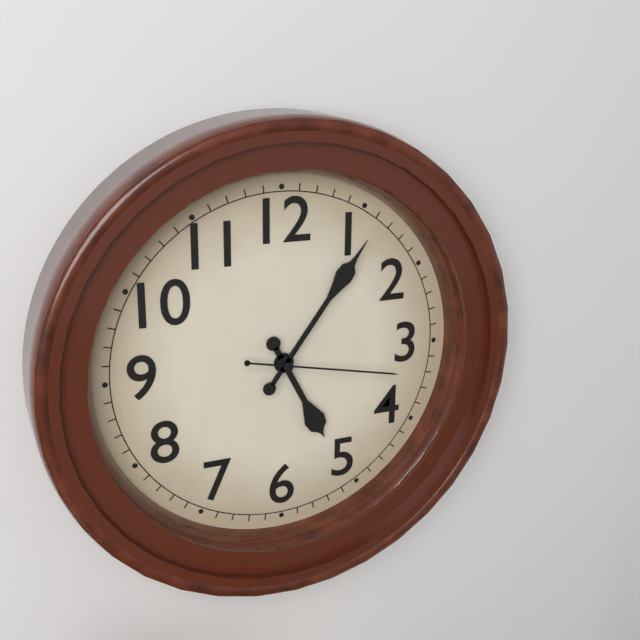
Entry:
**5:06:17**
